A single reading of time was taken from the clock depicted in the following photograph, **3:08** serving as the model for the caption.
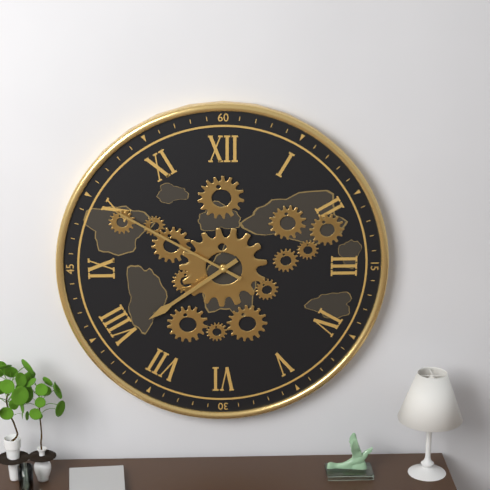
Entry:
**7:50**
